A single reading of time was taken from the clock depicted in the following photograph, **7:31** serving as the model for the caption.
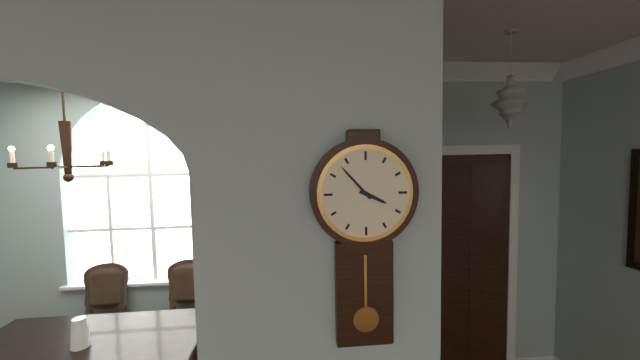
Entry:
**3:53**
